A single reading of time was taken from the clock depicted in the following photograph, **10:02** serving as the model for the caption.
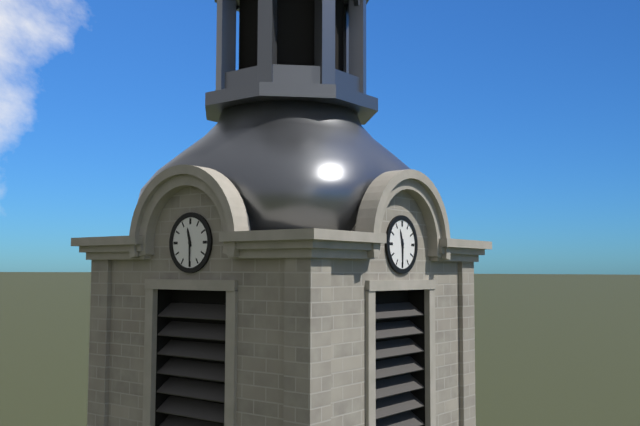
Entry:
**11:30**
